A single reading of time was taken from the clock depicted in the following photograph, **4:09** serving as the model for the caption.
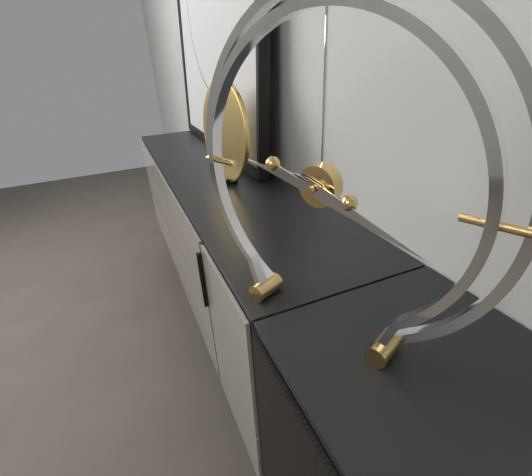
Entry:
**9:18**
